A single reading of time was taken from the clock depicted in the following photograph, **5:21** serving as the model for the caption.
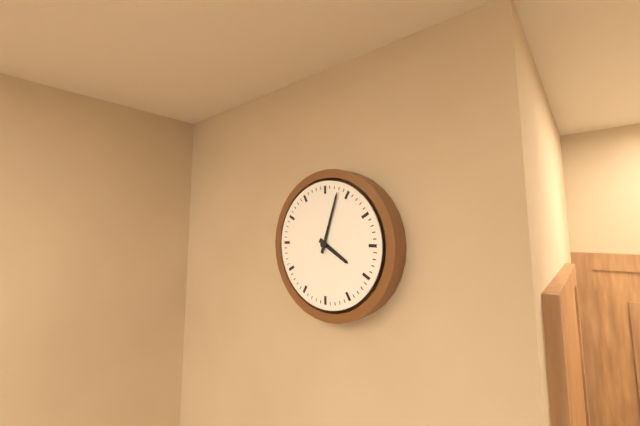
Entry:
**4:03**
